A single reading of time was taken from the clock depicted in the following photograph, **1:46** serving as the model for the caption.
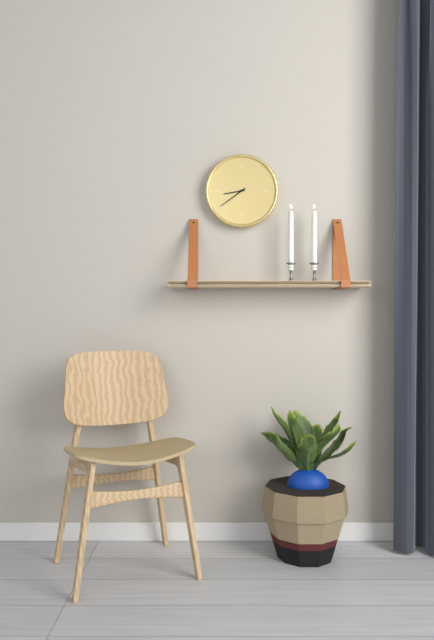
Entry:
**8:39**
